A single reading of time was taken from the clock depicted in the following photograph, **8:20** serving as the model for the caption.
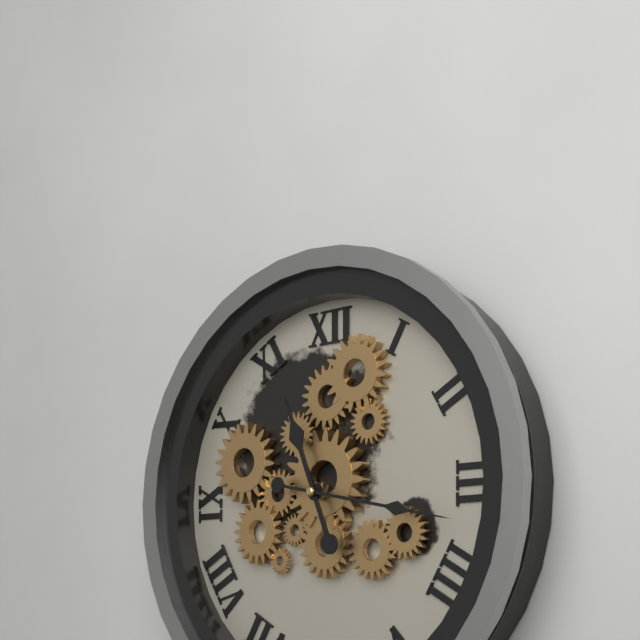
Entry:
**11:17**
